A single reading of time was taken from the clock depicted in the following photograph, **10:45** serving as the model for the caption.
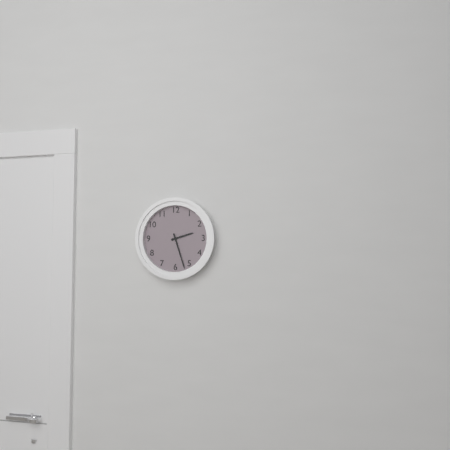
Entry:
**2:27**
